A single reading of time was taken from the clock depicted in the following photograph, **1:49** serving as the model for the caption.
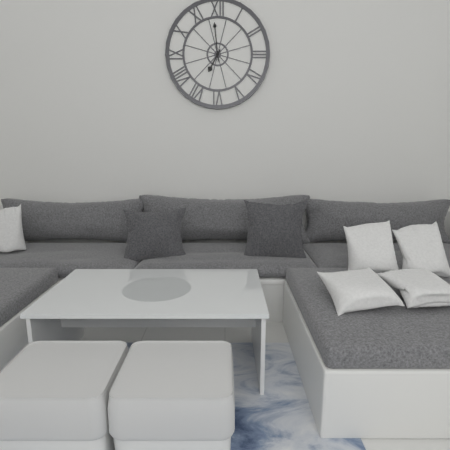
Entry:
**6:59**
